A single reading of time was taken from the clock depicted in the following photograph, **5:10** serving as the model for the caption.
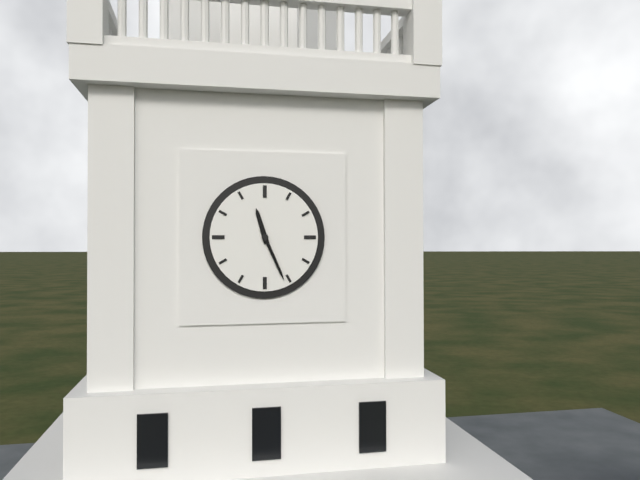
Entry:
**11:26**
